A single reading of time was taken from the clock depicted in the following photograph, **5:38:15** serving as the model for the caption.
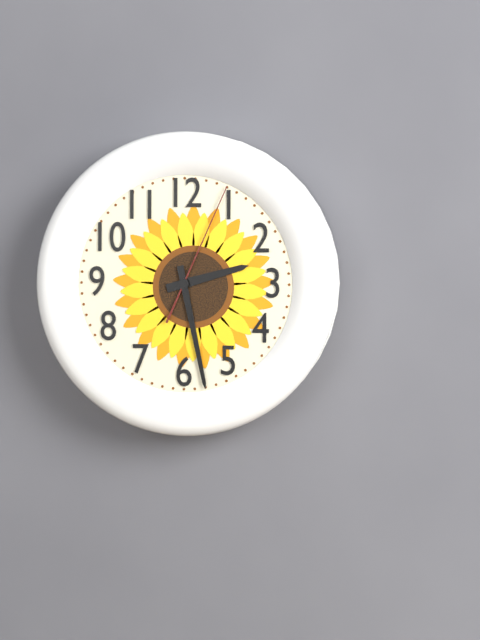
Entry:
**2:28:04**
